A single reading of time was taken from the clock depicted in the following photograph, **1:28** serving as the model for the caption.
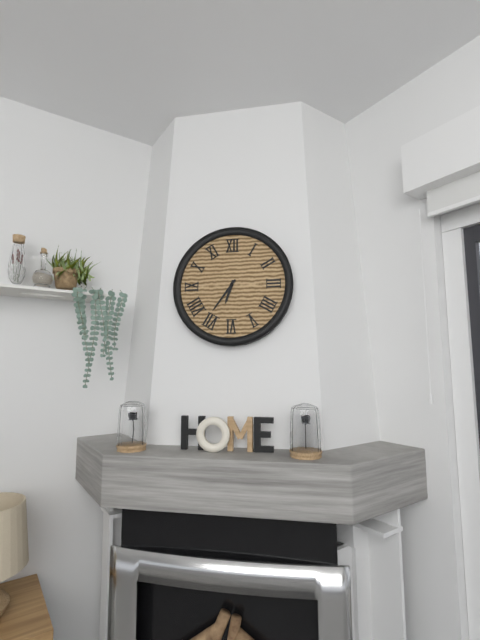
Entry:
**6:36**
